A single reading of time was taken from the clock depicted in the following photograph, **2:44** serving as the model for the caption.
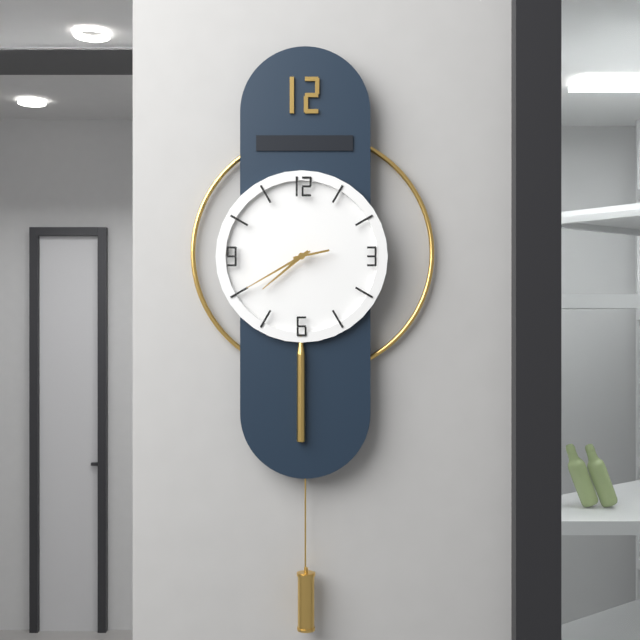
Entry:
**7:40**
